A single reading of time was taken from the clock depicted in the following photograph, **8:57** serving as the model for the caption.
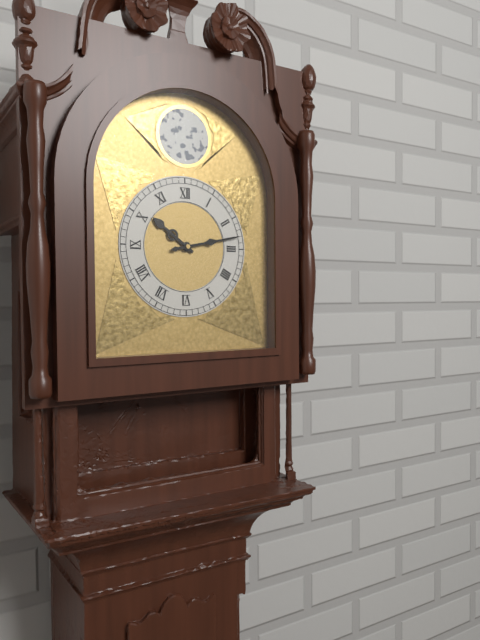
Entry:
**10:13**
